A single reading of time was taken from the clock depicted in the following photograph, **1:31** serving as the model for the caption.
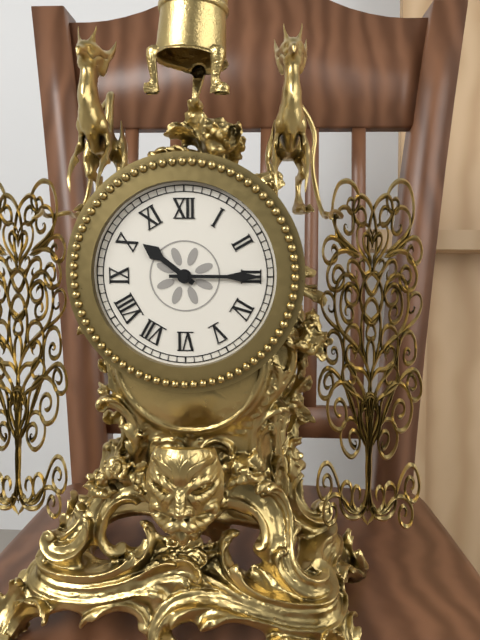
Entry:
**10:15**
